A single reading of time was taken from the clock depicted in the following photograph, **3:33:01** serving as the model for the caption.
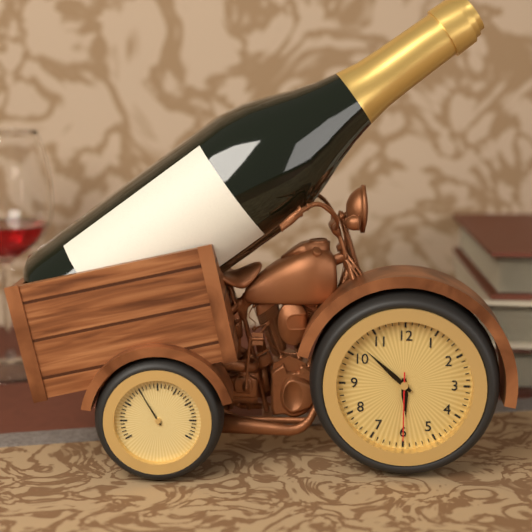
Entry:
**5:52:30**
